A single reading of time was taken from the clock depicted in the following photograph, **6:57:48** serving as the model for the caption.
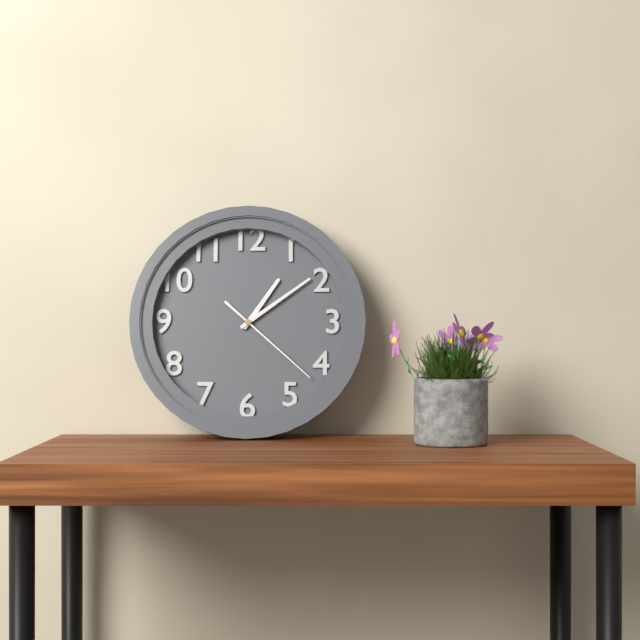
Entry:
**1:09:22**
